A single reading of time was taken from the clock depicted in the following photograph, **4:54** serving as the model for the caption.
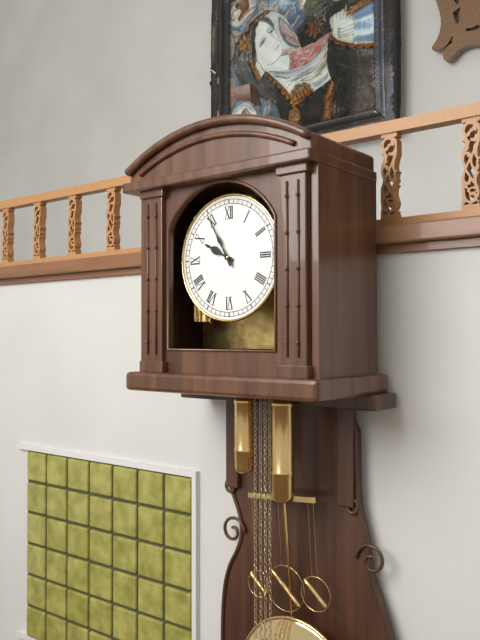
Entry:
**9:55**
